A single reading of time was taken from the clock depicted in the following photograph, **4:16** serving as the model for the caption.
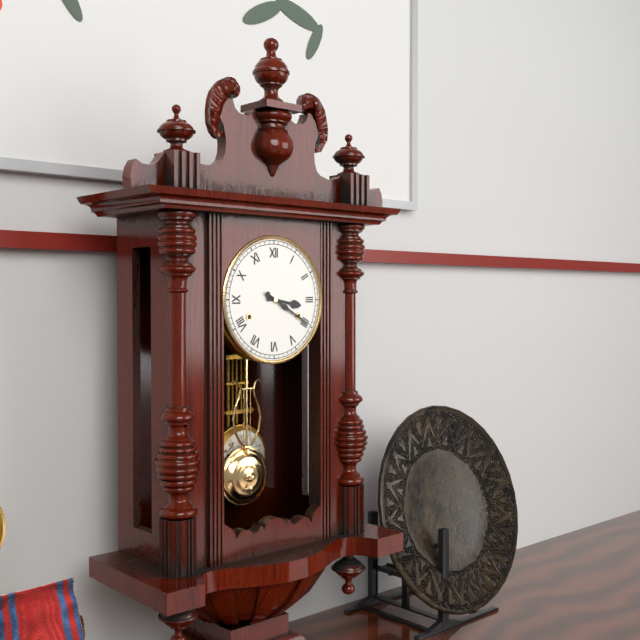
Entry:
**3:20**
